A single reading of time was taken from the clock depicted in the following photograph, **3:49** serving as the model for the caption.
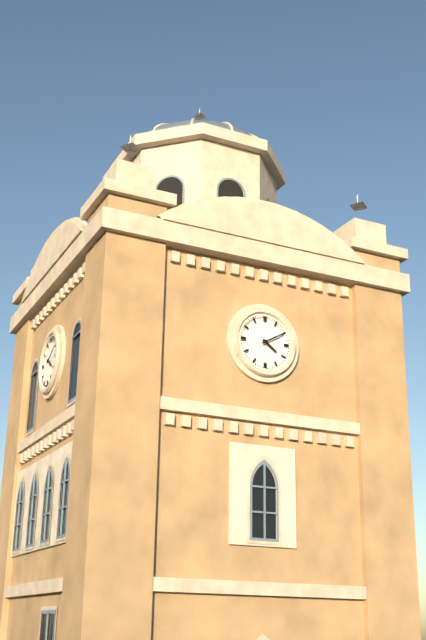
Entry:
**4:10**
